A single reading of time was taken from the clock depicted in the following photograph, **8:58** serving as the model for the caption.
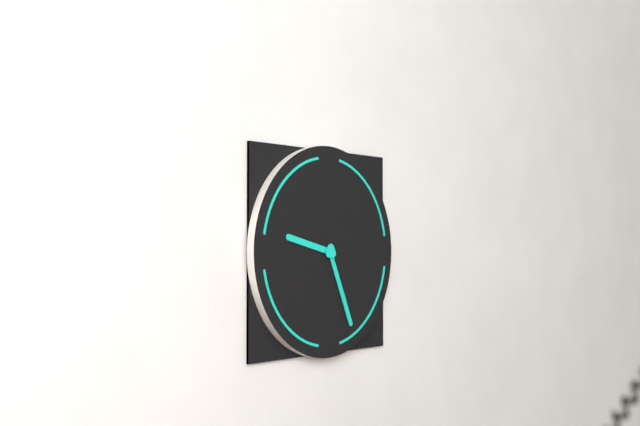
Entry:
**9:26**
